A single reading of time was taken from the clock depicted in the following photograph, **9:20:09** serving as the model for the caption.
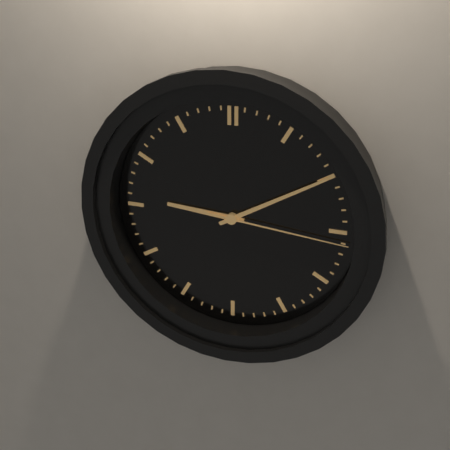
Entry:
**9:10:16**
